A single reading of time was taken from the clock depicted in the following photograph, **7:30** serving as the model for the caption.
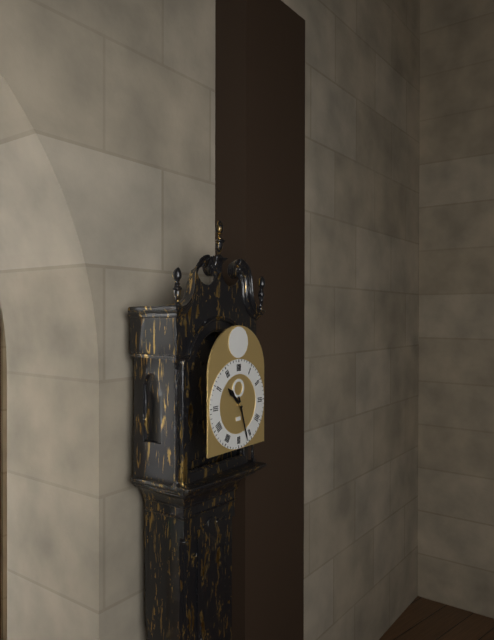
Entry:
**10:27**
